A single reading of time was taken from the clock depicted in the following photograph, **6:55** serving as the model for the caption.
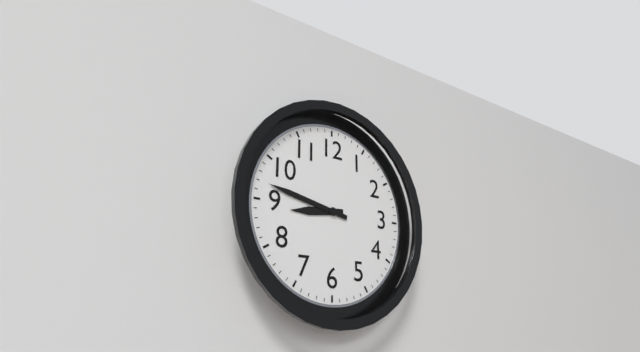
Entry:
**8:47**
